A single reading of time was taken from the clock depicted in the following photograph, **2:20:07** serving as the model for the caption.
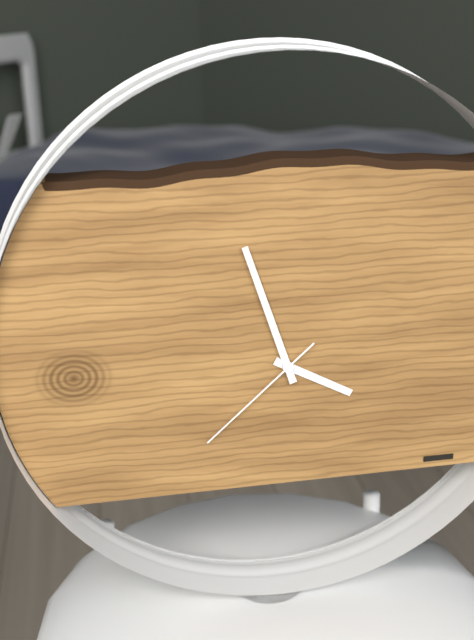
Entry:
**3:57:38**
